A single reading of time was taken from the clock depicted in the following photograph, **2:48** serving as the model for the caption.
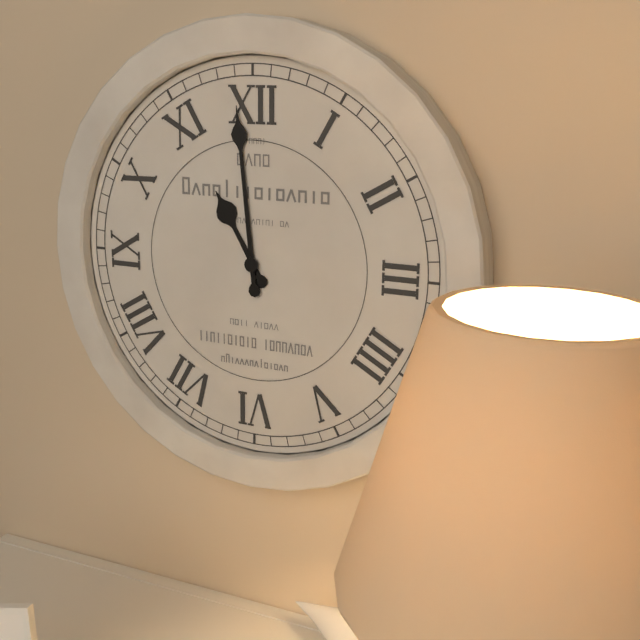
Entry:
**10:59**
